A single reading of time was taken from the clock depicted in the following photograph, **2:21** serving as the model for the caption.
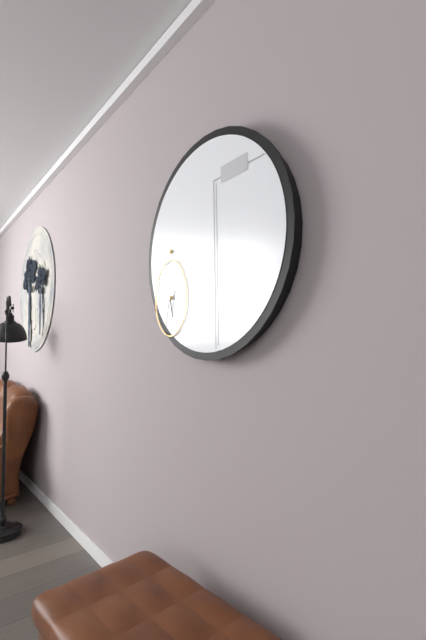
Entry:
**5:32**
